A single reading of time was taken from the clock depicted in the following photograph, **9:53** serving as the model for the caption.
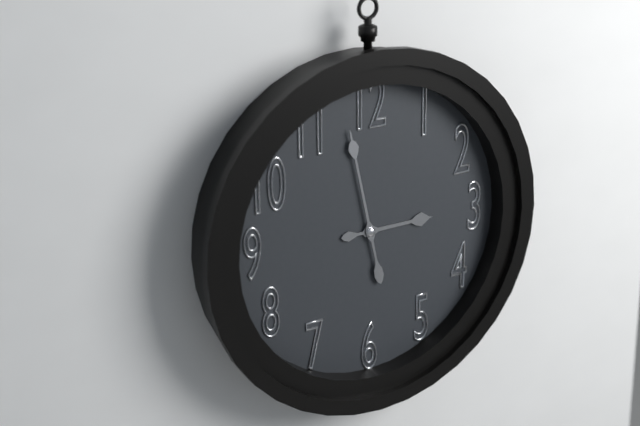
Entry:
**2:58**
